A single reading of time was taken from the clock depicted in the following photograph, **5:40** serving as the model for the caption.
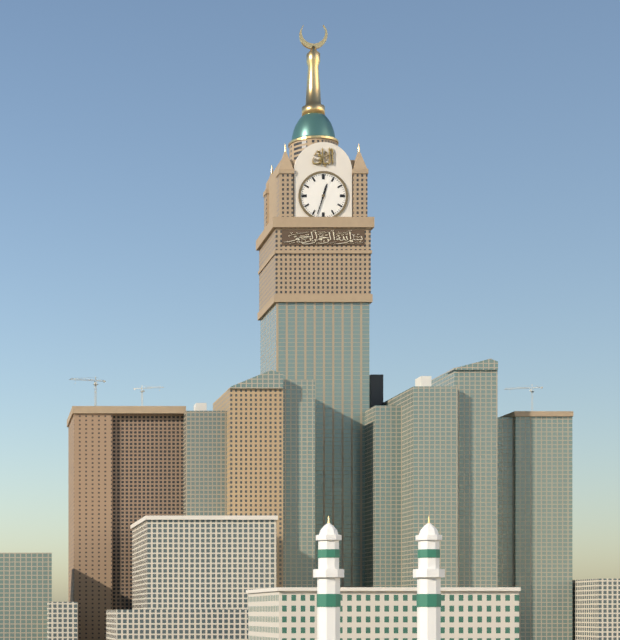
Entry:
**12:33**
